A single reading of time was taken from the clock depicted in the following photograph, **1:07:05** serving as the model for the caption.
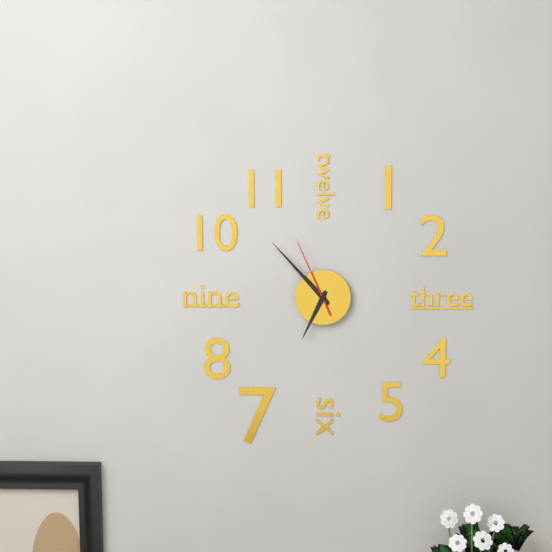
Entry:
**6:53:56**
